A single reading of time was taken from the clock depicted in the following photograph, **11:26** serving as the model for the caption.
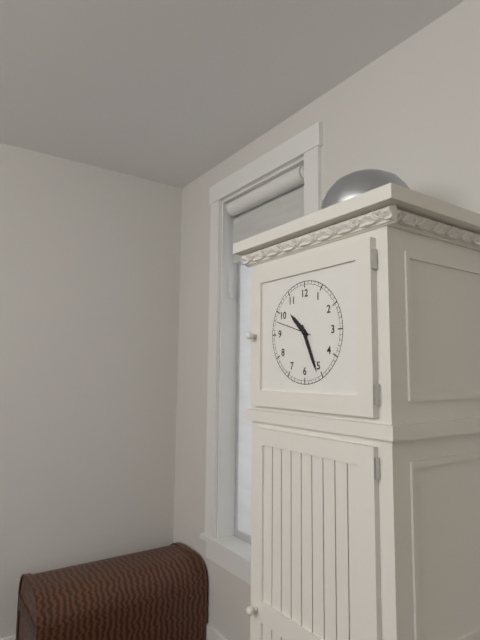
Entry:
**10:26**
